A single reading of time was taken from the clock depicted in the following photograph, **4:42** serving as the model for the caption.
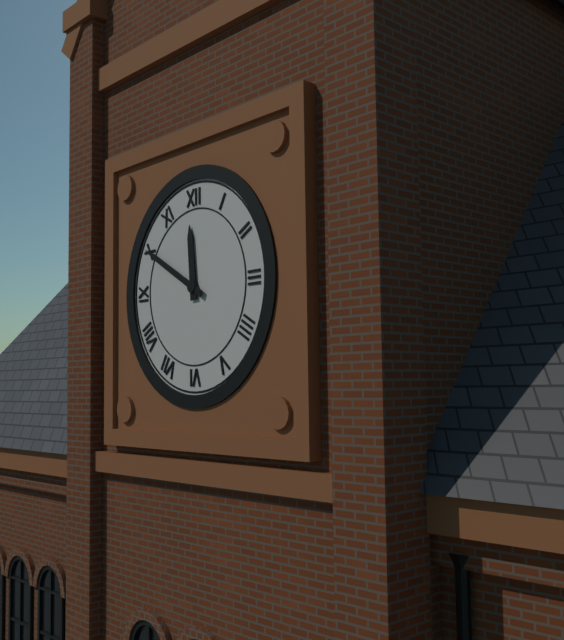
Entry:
**11:50**
